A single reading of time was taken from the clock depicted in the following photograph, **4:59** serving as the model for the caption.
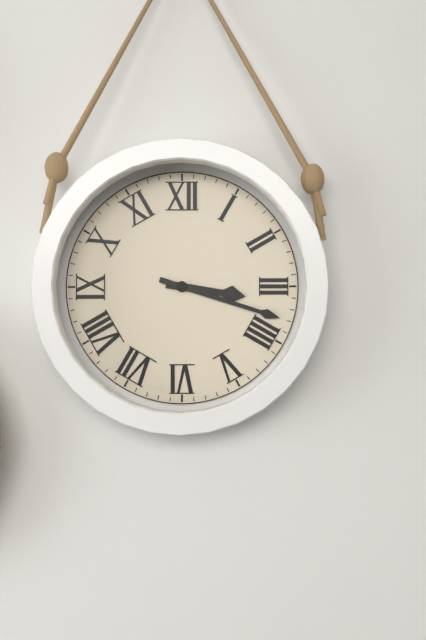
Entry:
**3:18**
